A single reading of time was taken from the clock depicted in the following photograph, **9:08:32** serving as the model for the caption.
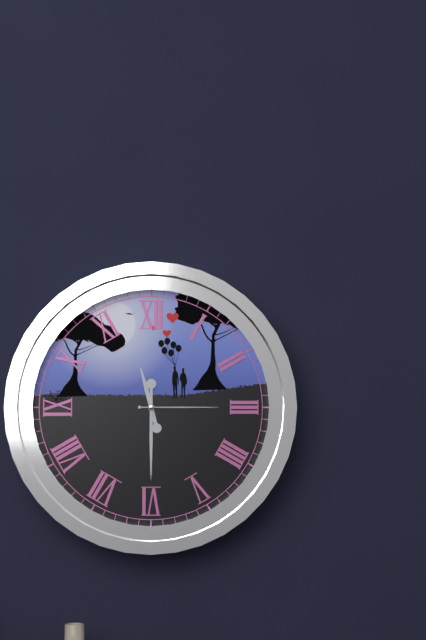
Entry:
**11:30:15**
